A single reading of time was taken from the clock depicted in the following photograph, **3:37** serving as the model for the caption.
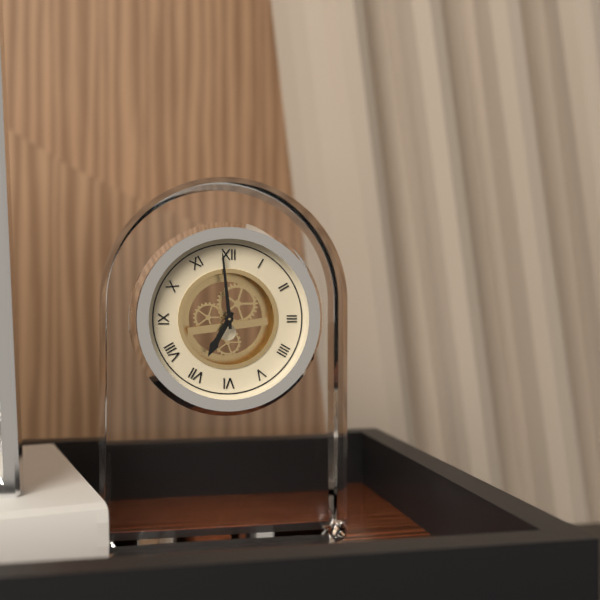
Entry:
**6:59**
